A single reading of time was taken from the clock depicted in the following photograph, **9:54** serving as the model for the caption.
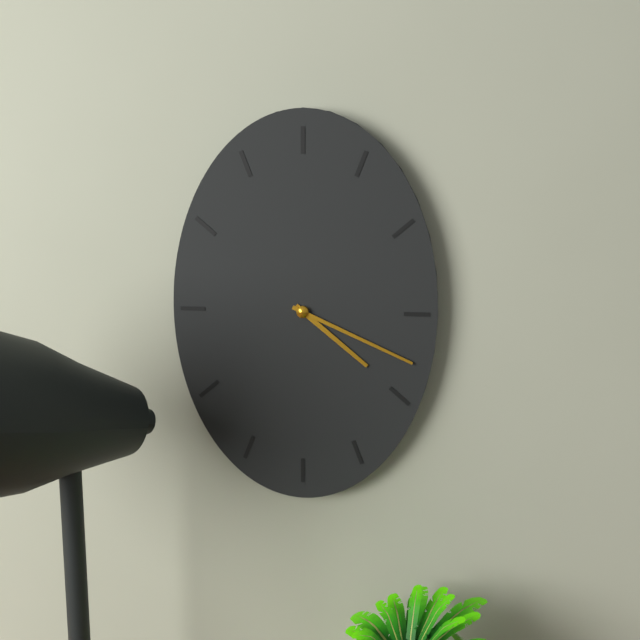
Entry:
**4:19**
